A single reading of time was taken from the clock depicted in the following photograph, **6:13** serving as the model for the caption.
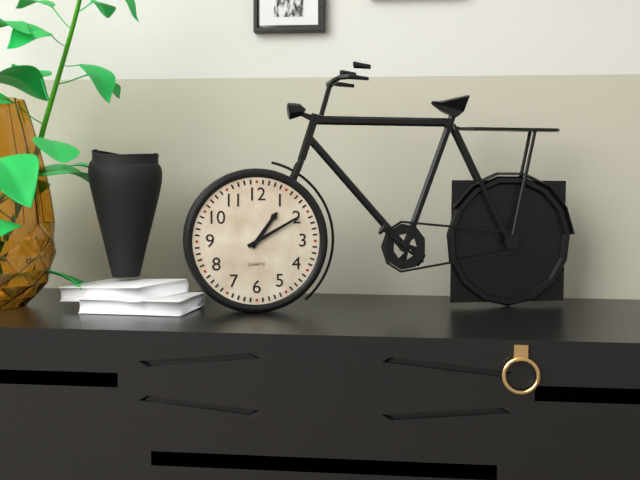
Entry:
**1:10**
